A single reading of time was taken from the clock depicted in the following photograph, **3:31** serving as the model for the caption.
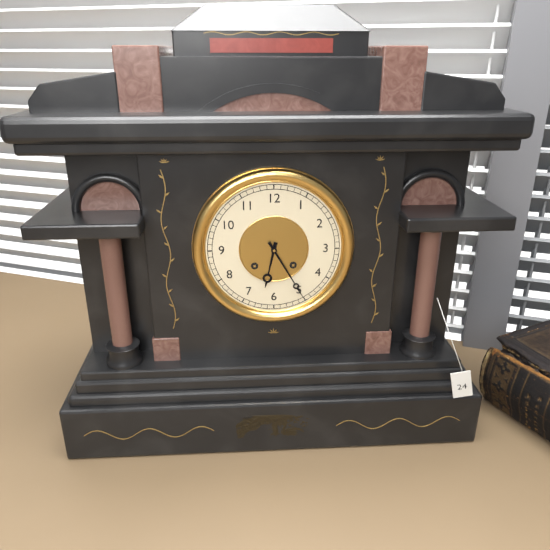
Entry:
**6:25**
